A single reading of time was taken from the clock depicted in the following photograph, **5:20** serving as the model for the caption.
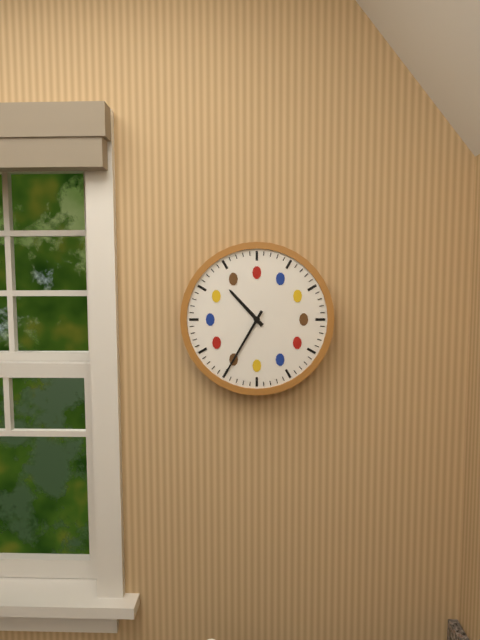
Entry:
**10:35**
